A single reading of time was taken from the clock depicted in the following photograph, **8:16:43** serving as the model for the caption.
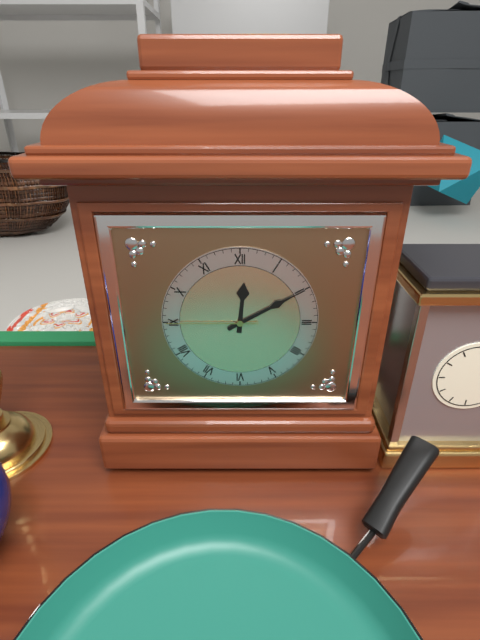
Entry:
**12:10:45**
